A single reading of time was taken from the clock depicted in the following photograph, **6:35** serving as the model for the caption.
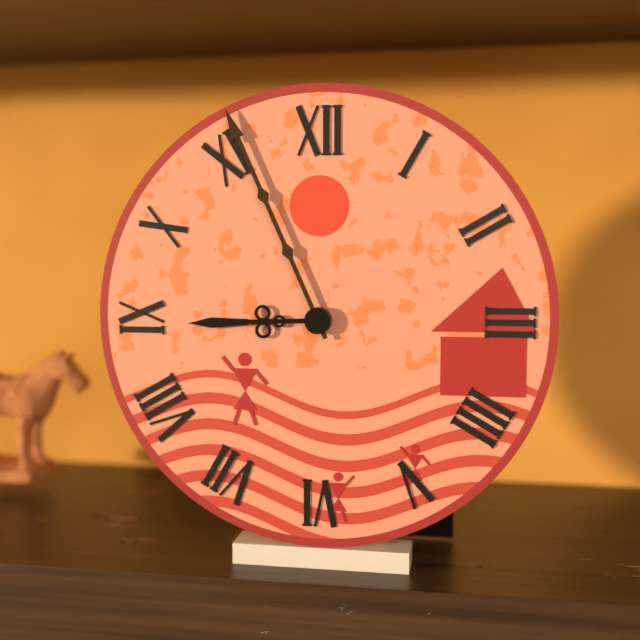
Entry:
**8:56**
